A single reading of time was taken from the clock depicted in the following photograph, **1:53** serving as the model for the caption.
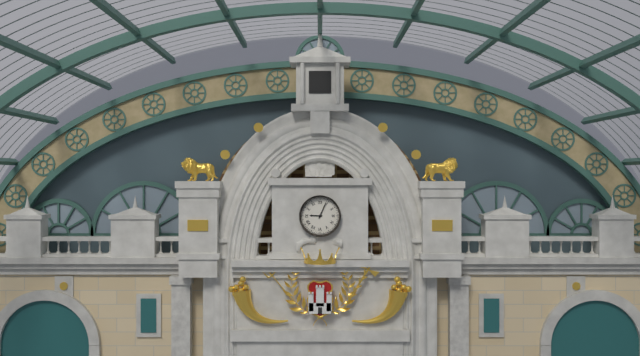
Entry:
**9:04**
